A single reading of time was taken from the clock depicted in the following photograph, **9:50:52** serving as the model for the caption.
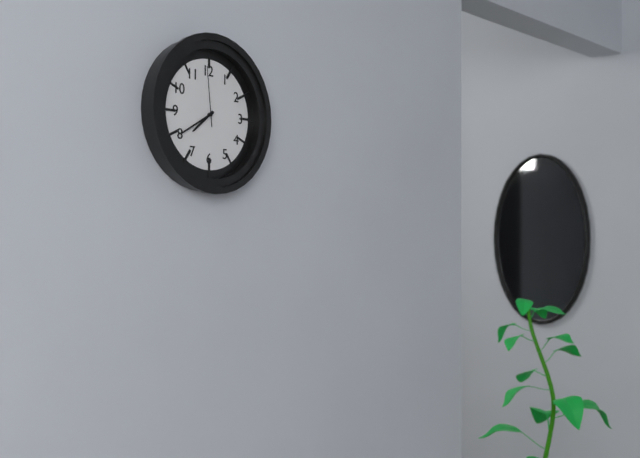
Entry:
**7:40:59**
